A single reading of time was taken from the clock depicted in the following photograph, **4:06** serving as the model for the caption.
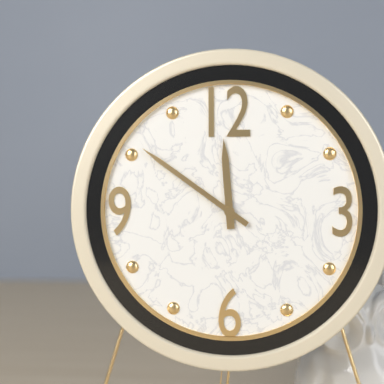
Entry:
**11:51**
